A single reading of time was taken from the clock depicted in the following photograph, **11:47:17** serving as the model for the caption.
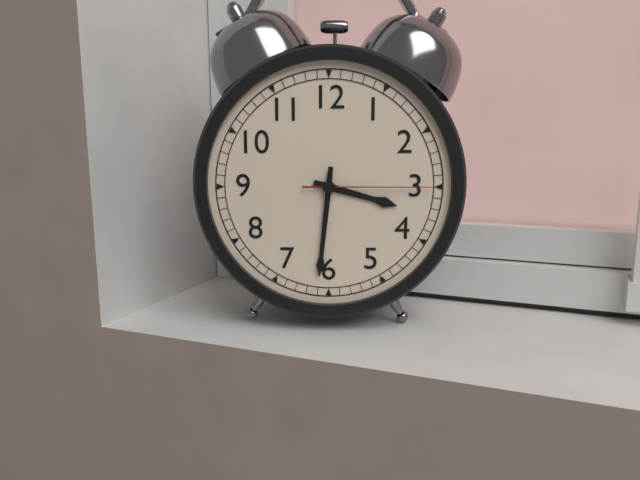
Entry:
**3:31:15**
